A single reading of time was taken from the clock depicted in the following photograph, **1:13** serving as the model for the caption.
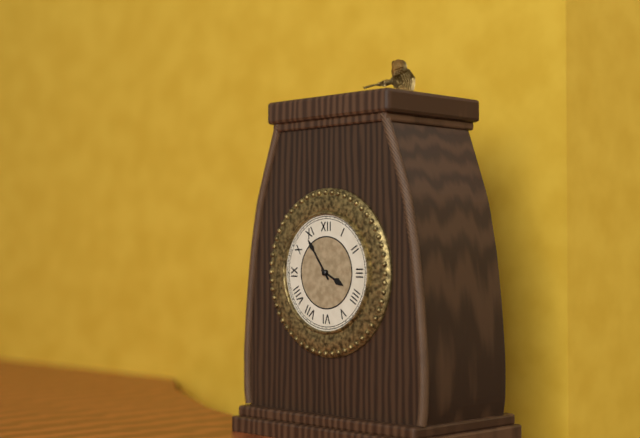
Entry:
**3:54**
